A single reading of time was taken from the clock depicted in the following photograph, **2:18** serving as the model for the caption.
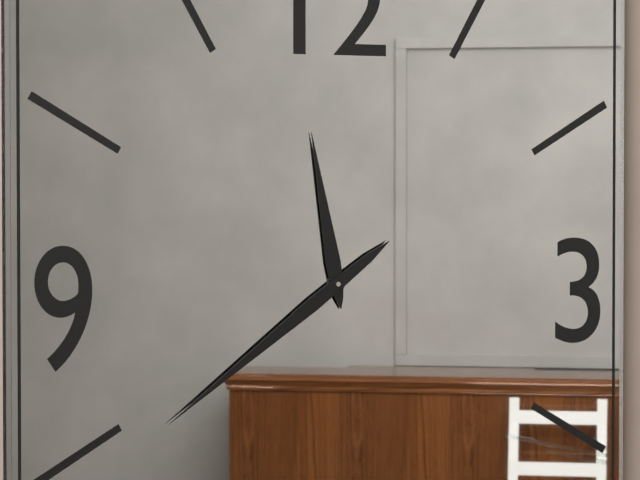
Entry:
**11:39**
